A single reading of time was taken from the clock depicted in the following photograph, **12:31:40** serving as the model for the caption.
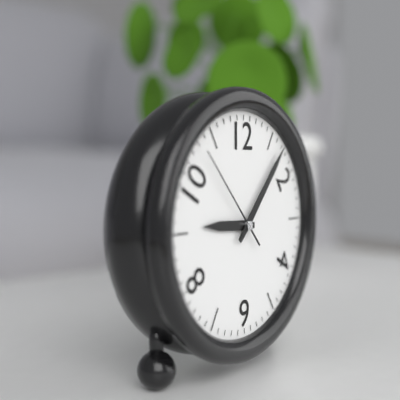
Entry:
**9:07:53**
